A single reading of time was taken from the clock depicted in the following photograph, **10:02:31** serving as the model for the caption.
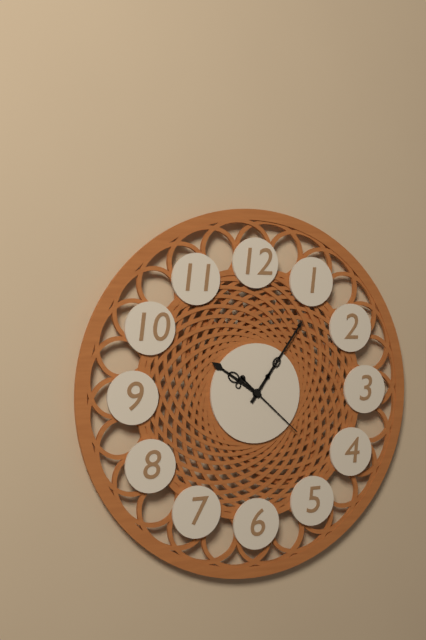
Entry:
**10:06:22**
